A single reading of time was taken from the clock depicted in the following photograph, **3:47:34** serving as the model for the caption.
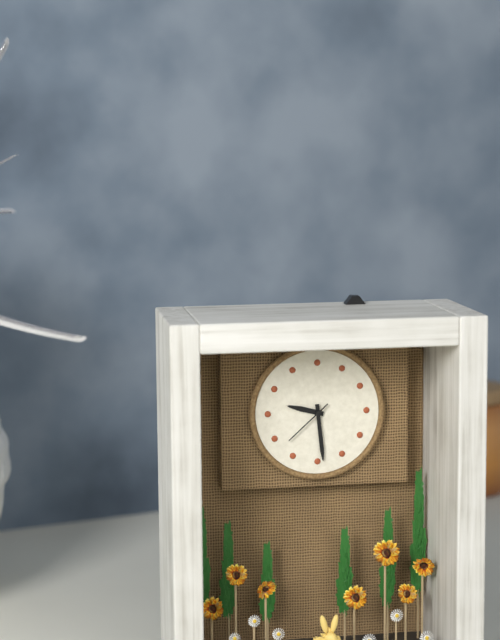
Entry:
**9:29:38**
